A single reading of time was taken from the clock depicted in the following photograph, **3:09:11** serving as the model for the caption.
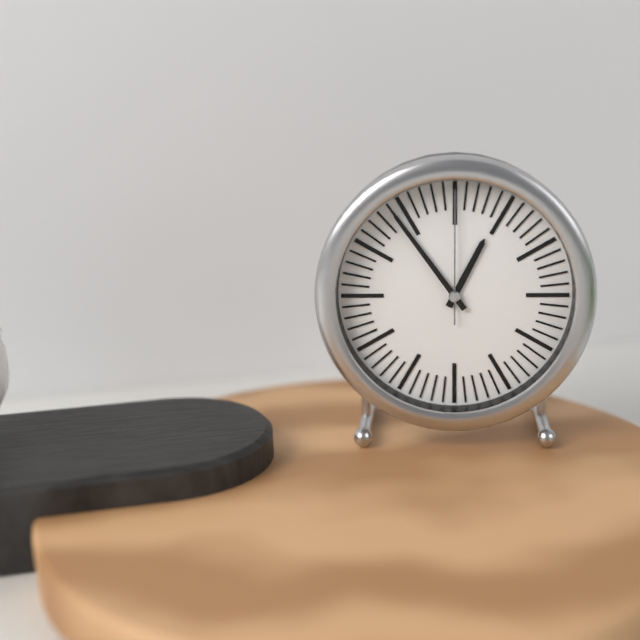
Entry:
**12:54:00**
